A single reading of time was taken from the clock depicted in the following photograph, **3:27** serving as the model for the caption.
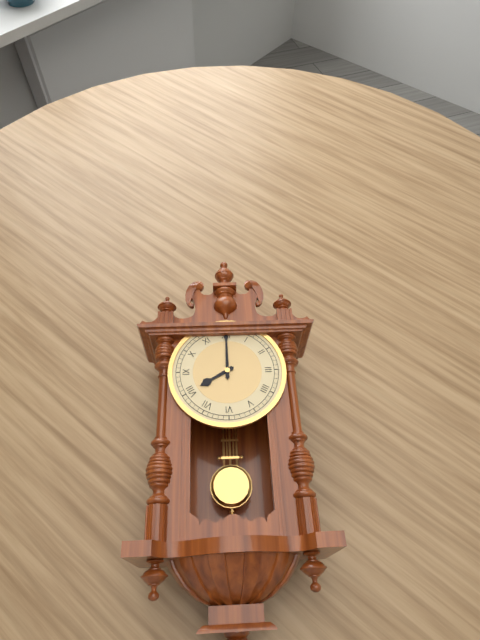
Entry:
**8:00**
